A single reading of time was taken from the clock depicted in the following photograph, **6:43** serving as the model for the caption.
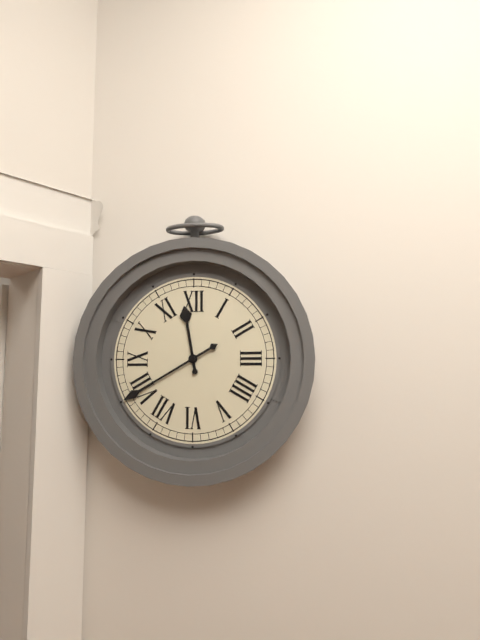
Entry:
**11:40**
